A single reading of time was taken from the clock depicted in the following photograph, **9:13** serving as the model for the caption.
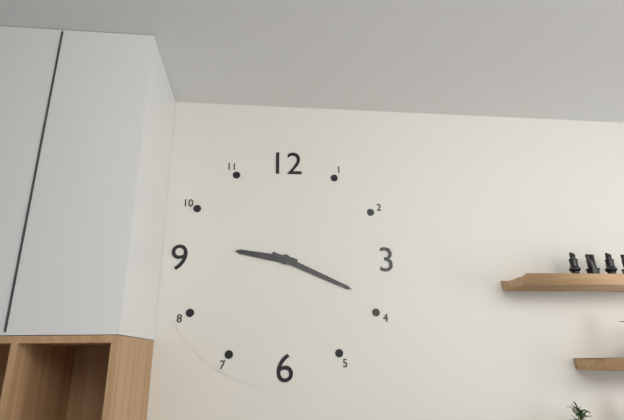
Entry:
**9:19**
